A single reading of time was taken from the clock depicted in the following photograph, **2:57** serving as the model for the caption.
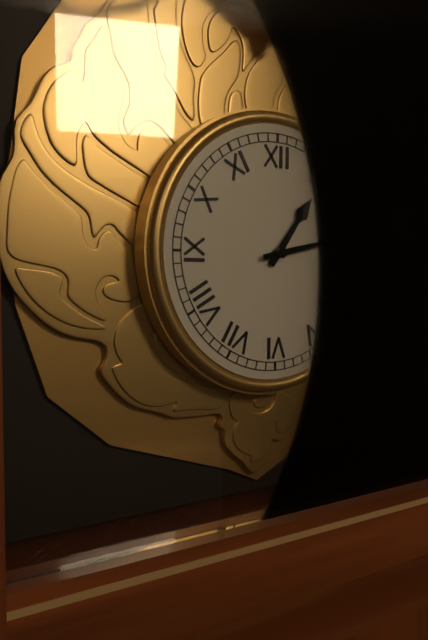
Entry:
**1:13**
